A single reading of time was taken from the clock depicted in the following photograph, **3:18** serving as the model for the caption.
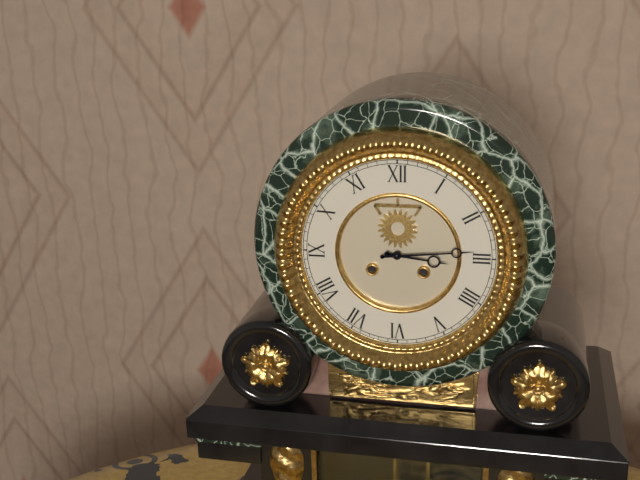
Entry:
**3:14**
